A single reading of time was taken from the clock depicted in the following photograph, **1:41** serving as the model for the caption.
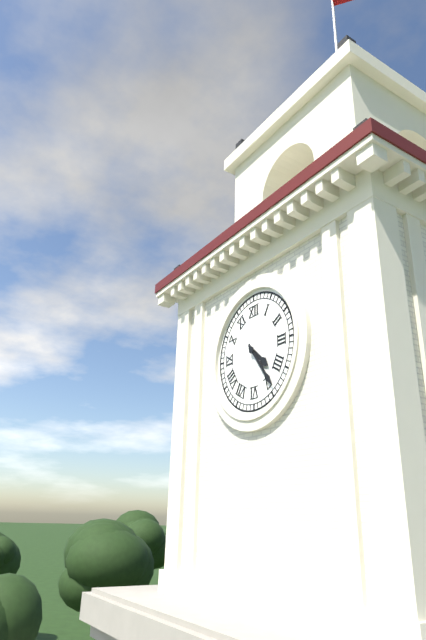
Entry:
**4:24**
